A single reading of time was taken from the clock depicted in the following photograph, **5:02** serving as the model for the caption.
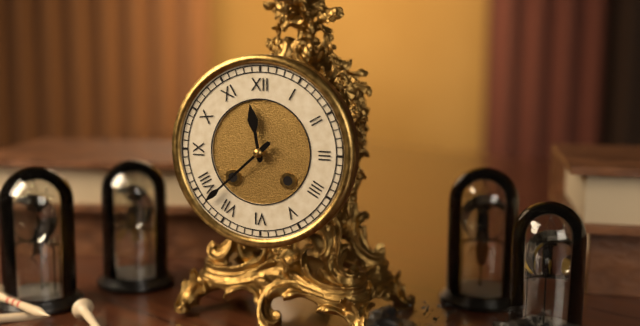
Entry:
**11:38**
